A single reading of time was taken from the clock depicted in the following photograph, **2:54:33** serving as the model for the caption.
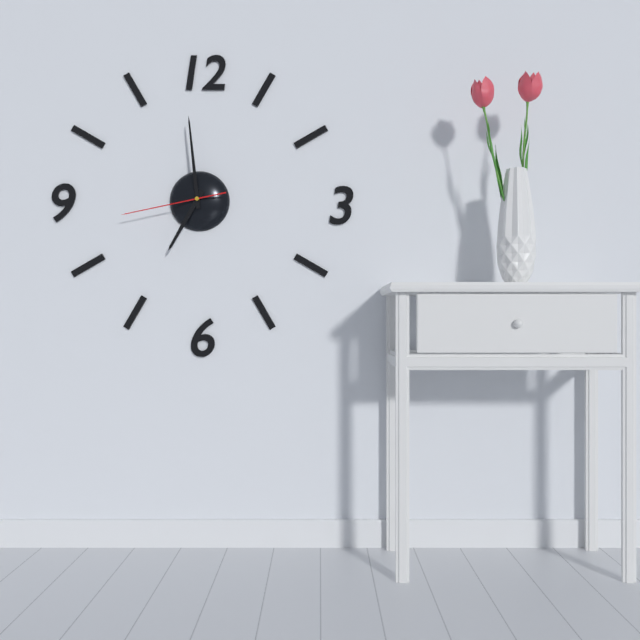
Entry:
**6:59:43**
